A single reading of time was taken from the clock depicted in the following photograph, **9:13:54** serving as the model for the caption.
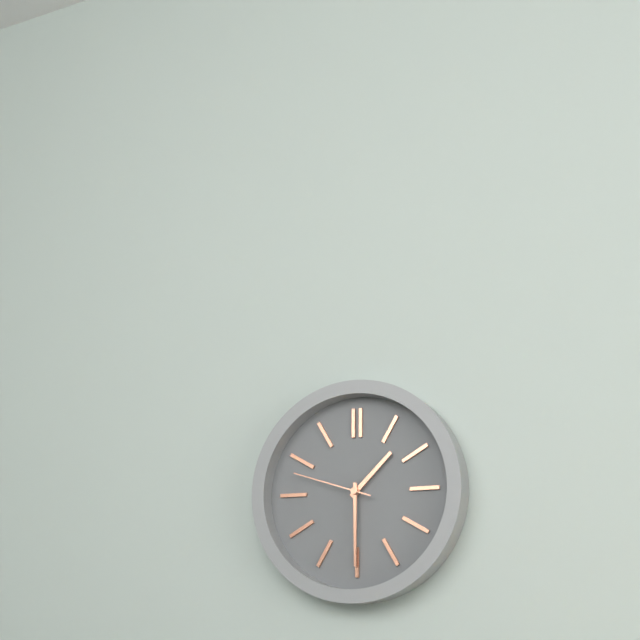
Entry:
**1:30:48**
